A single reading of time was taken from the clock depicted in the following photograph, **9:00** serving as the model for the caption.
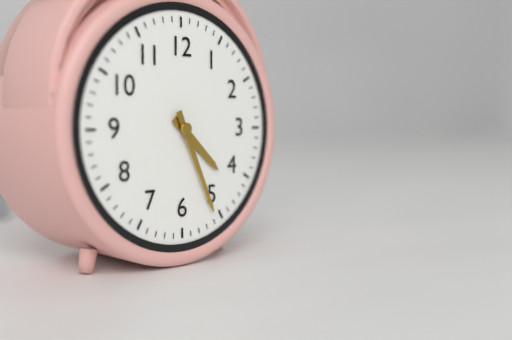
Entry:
**4:26**
